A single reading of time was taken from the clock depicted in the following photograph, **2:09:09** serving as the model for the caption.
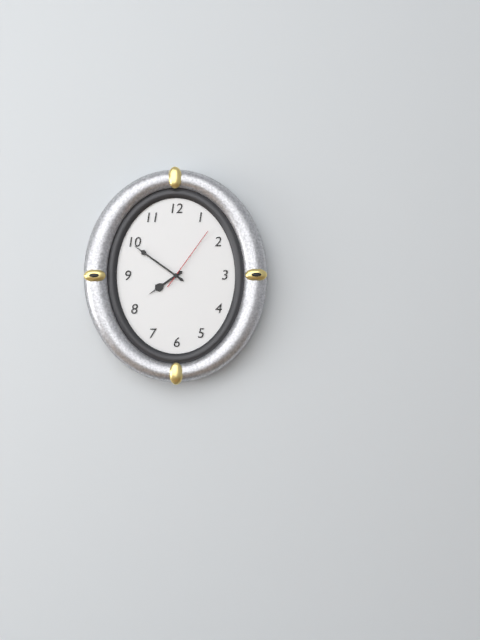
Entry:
**7:51:06**
